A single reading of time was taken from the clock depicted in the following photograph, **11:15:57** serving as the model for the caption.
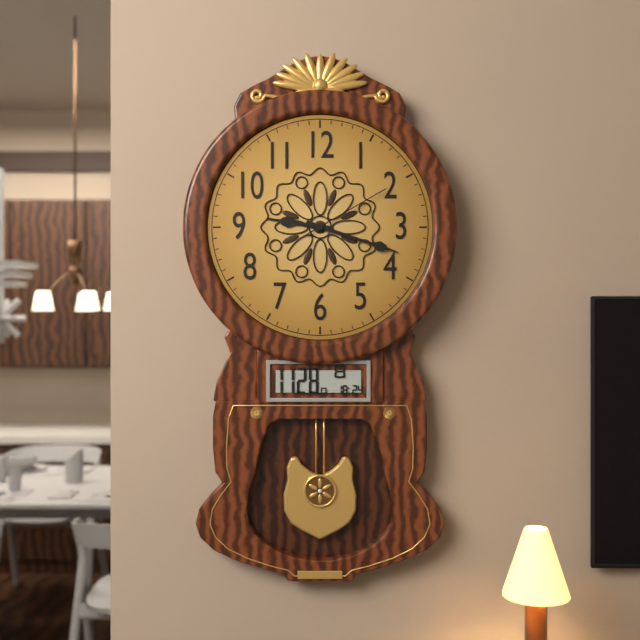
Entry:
**9:18:10**
